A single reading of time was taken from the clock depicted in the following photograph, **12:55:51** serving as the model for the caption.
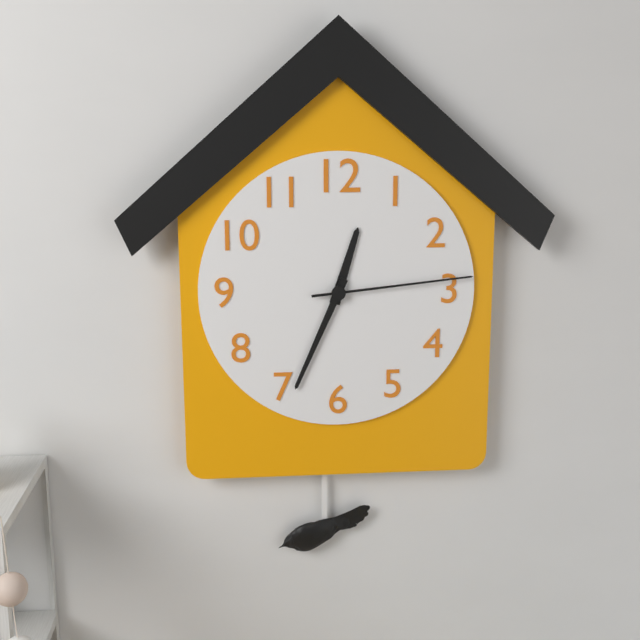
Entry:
**12:34:14**
